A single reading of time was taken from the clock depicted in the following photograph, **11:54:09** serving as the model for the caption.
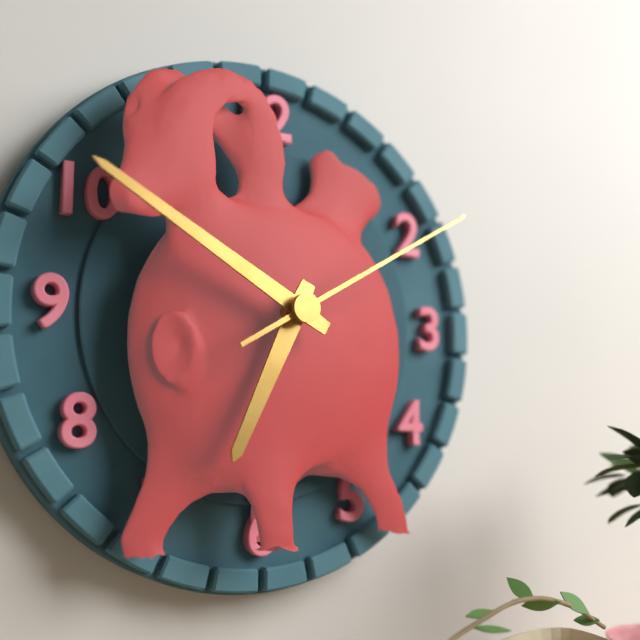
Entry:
**6:50:10**
